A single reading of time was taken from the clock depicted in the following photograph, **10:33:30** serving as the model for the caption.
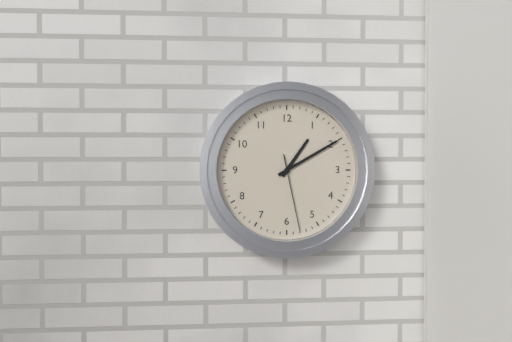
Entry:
**1:10:28**
